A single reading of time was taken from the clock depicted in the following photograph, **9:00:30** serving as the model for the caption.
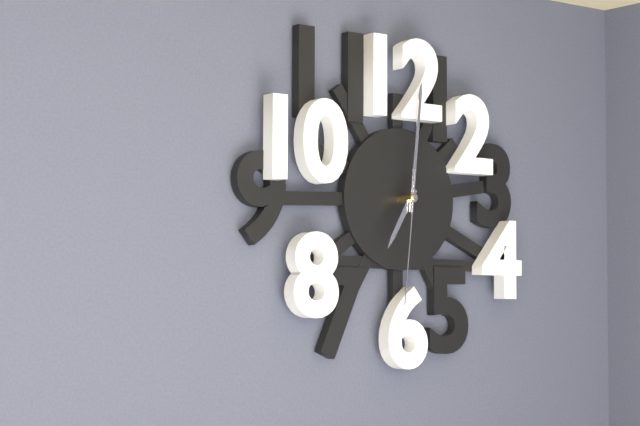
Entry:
**7:01:31**
